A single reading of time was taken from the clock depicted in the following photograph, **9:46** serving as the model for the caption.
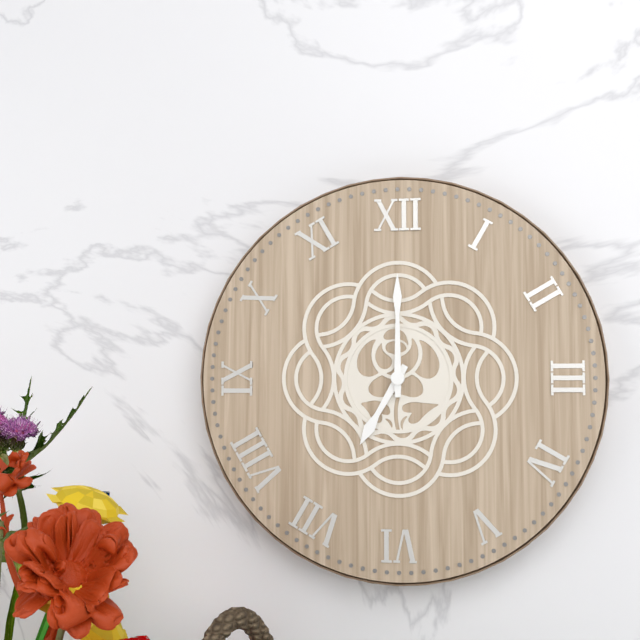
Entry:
**7:00**
